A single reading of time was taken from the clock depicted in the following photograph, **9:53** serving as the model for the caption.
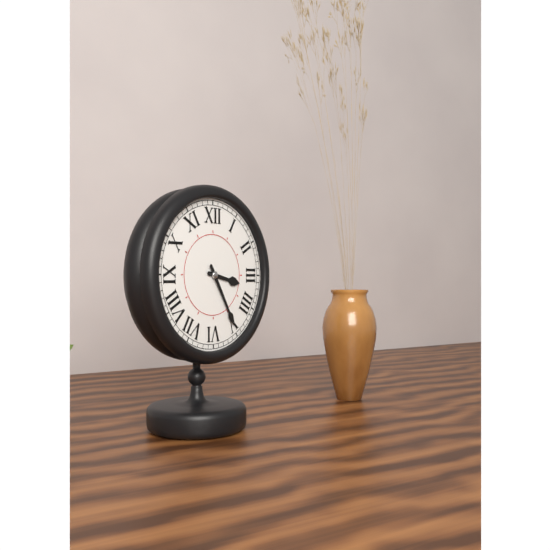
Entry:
**3:25**
